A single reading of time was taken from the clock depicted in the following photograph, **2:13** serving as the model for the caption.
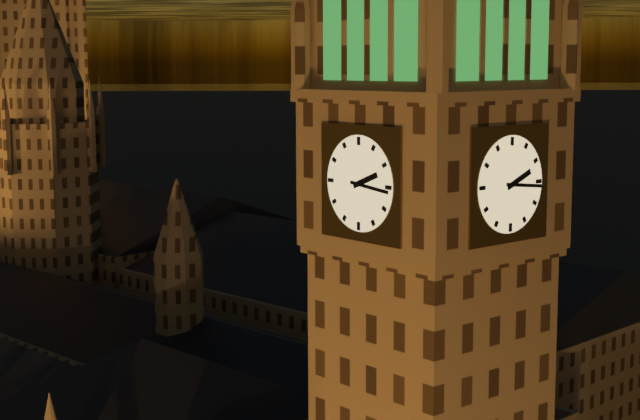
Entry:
**2:16**
